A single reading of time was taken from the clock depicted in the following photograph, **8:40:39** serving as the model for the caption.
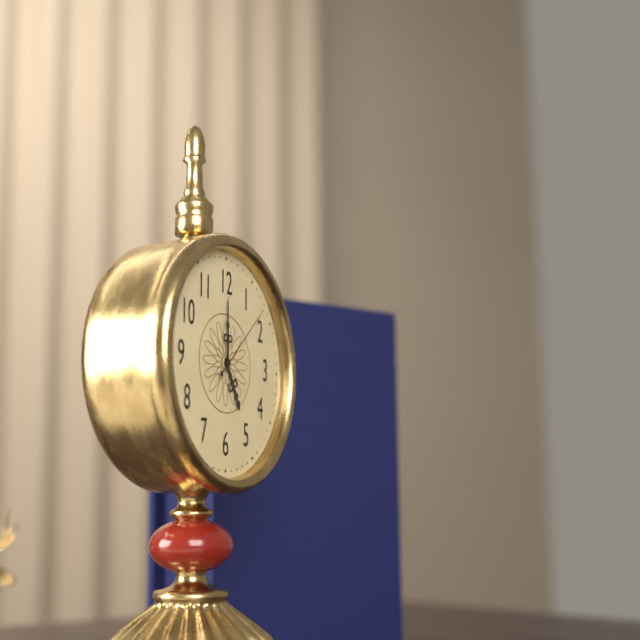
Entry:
**5:00:08**
